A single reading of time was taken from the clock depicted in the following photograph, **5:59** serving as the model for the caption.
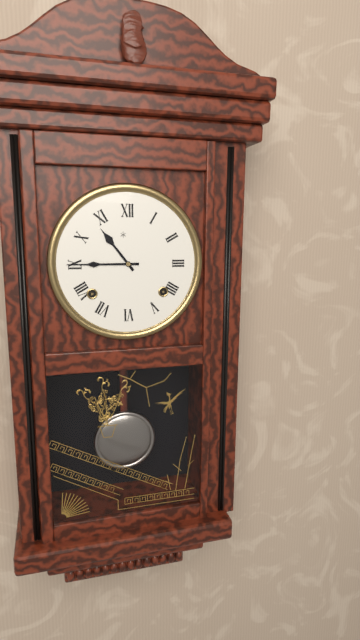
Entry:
**10:45**
